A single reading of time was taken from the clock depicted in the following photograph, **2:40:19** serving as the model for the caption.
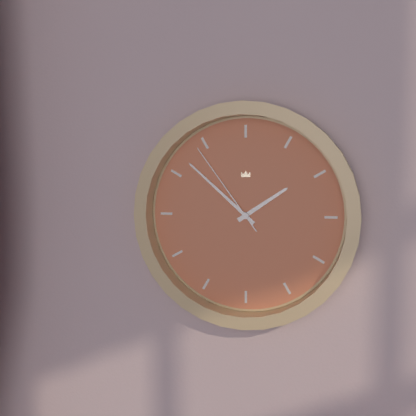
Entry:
**1:52:54**
